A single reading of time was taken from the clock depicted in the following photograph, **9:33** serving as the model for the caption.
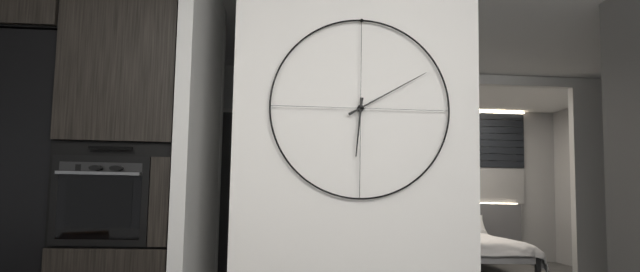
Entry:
**6:10**
